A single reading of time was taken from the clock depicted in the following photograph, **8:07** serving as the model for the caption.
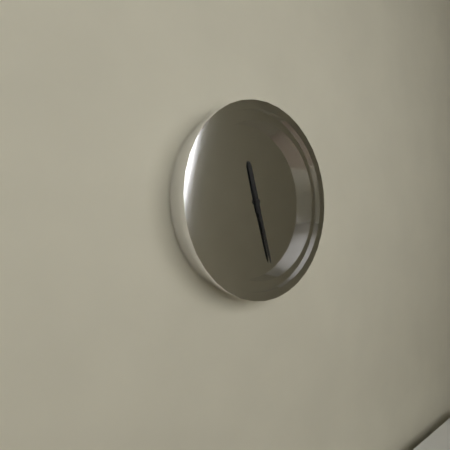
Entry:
**11:27**
